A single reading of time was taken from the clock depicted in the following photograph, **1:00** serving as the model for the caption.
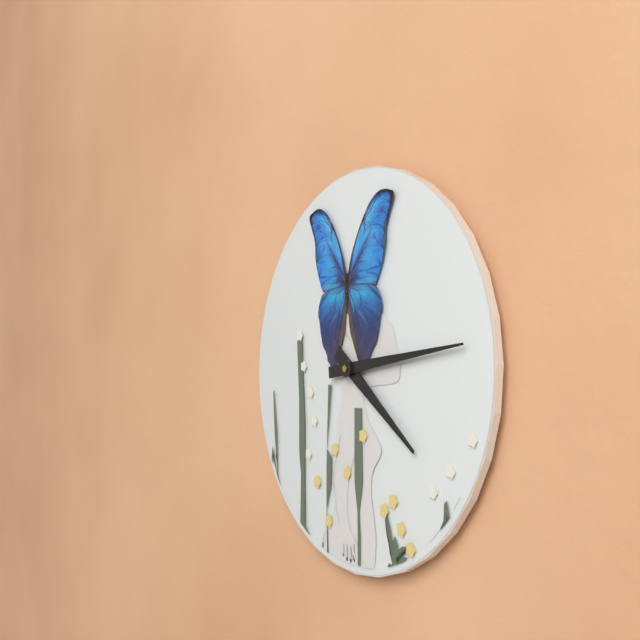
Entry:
**4:14**
